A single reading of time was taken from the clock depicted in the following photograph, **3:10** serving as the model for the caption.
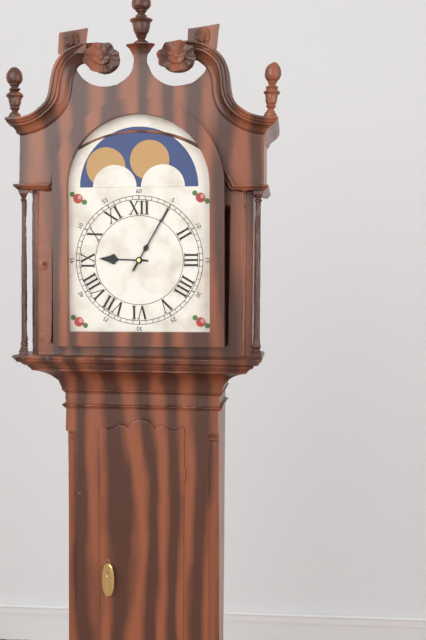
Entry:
**9:05**
